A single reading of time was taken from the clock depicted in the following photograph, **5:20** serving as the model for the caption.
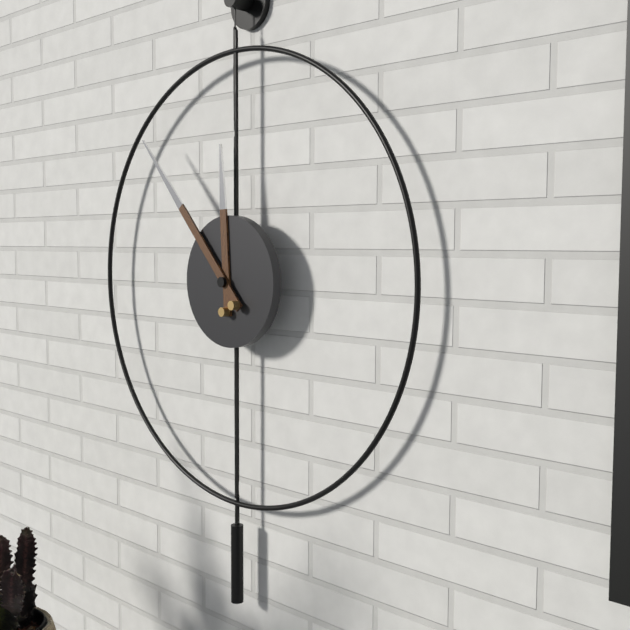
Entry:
**11:53**
